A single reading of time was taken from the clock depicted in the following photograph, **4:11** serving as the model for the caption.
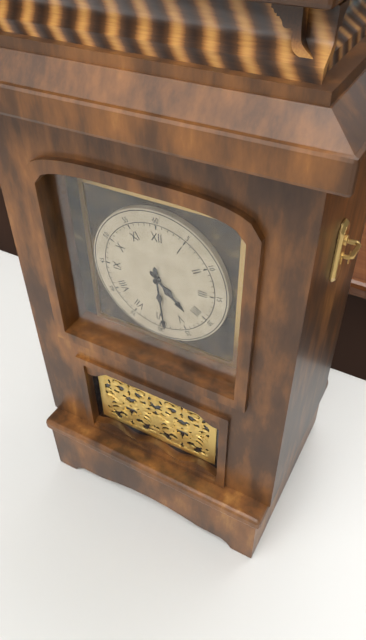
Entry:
**4:29**
